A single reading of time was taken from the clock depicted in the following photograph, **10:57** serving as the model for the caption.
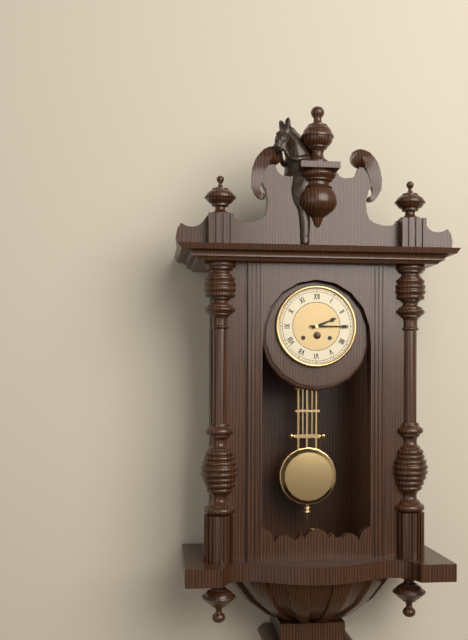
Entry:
**2:15**
